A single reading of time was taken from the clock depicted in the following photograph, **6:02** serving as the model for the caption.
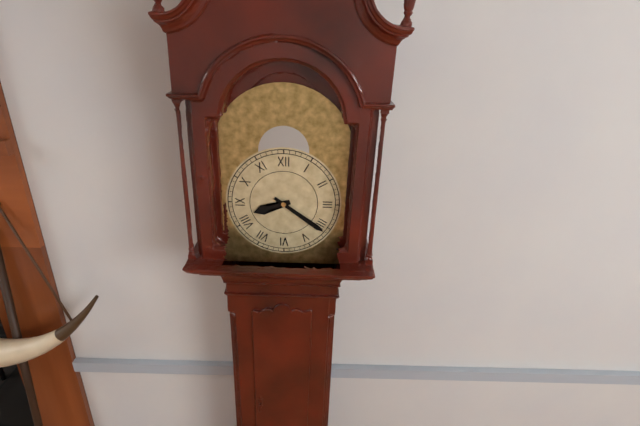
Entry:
**8:21**
